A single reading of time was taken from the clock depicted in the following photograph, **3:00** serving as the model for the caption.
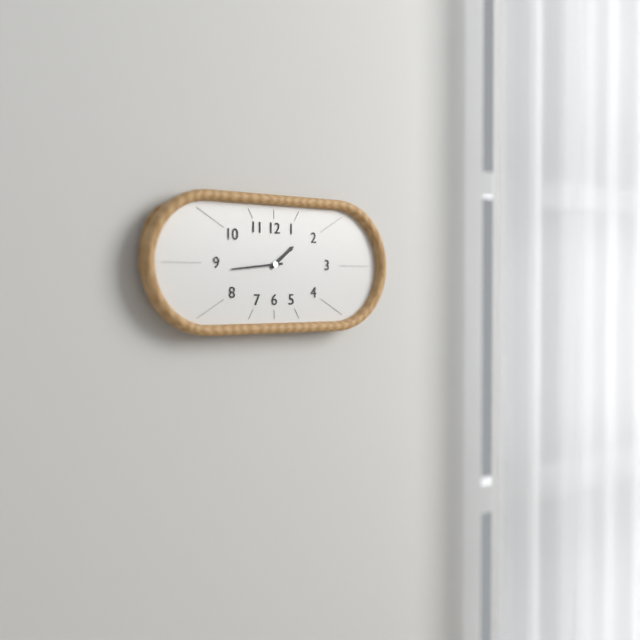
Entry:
**1:44**
